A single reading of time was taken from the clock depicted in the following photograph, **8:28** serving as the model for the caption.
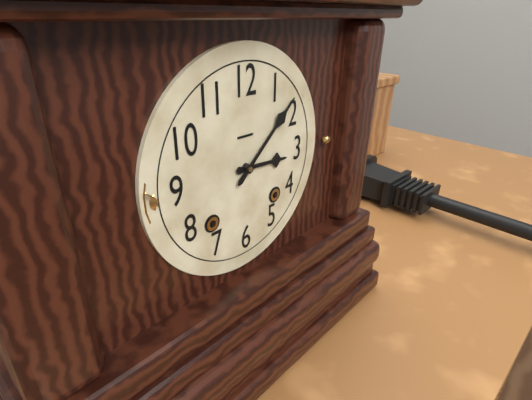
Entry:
**3:08**
